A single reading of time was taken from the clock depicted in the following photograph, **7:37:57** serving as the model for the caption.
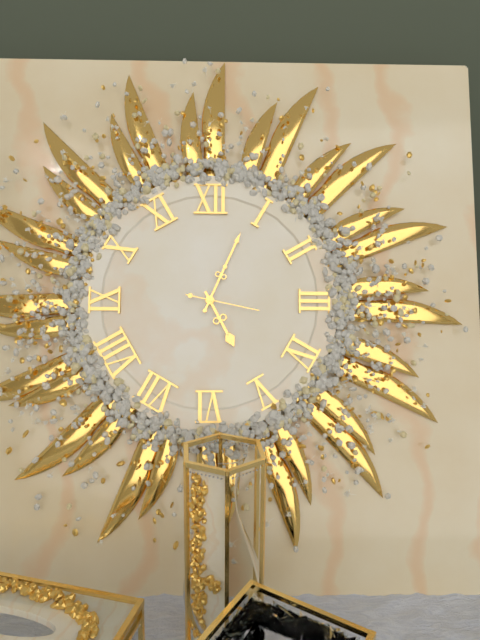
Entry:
**5:04:17**
